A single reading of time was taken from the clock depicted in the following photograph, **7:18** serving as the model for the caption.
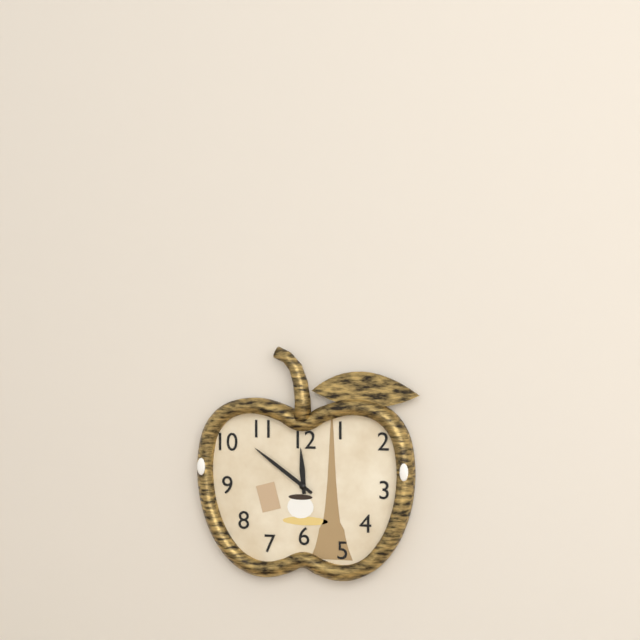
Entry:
**11:51**
